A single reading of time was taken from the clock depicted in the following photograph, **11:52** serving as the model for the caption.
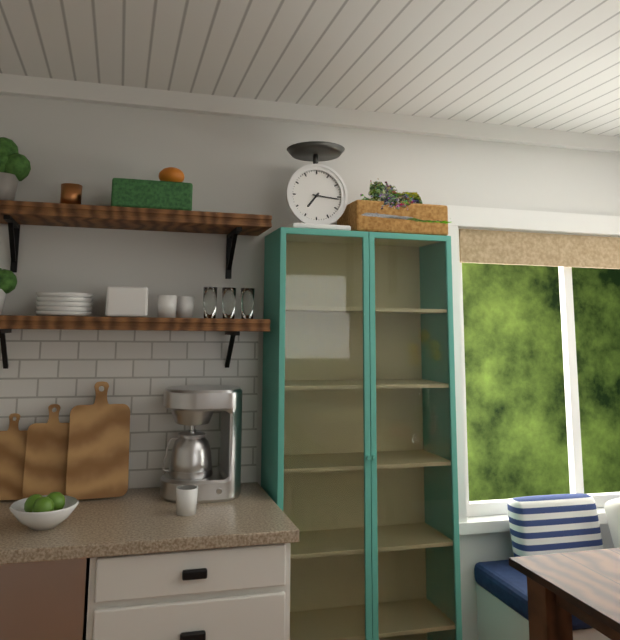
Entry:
**7:16**
